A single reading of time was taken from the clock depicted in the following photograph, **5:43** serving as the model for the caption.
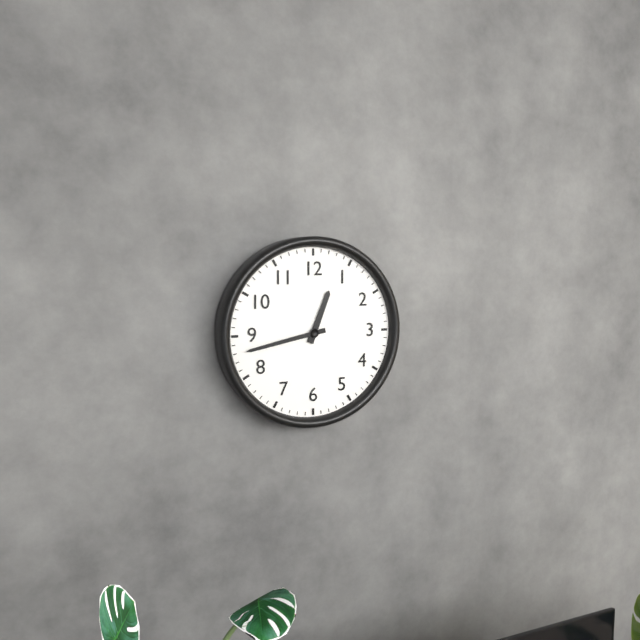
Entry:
**12:43**
